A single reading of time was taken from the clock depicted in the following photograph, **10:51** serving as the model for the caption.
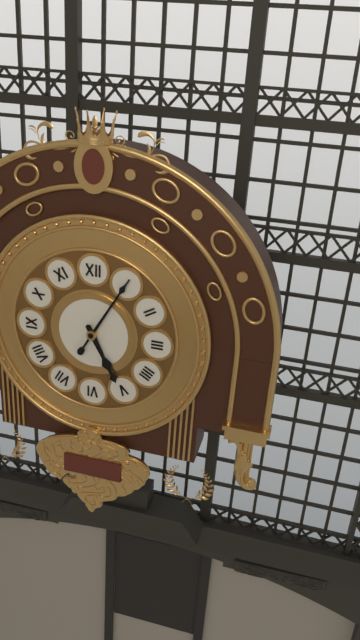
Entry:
**5:05**
